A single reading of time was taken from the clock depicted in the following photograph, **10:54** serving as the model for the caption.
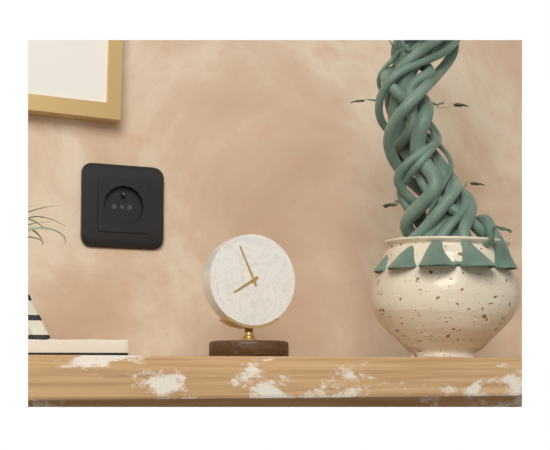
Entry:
**7:56**
